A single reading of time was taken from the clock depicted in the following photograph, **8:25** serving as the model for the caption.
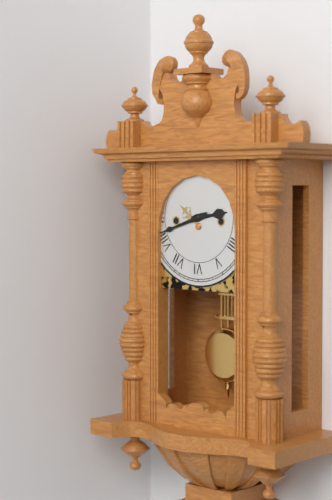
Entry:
**2:42**
